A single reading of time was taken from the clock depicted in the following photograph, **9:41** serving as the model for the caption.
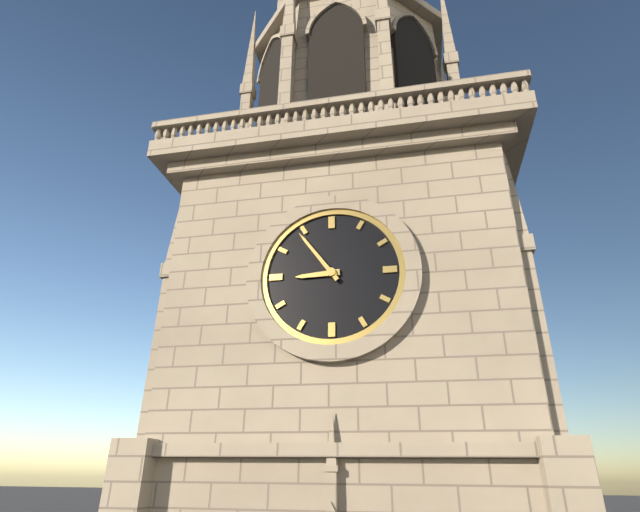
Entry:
**8:54**
